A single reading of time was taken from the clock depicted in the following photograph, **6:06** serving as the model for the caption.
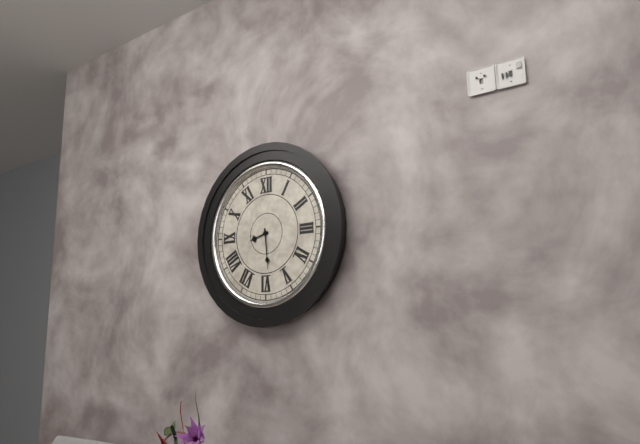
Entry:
**8:29**
